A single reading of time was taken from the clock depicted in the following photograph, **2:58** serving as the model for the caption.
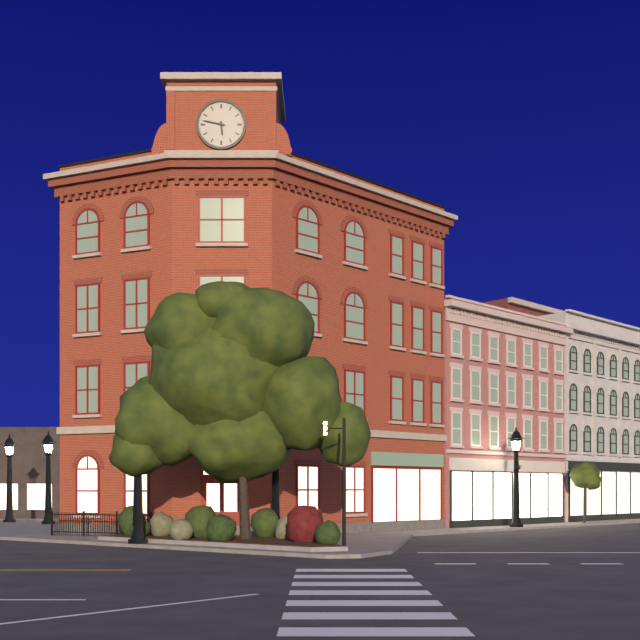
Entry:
**5:47**
